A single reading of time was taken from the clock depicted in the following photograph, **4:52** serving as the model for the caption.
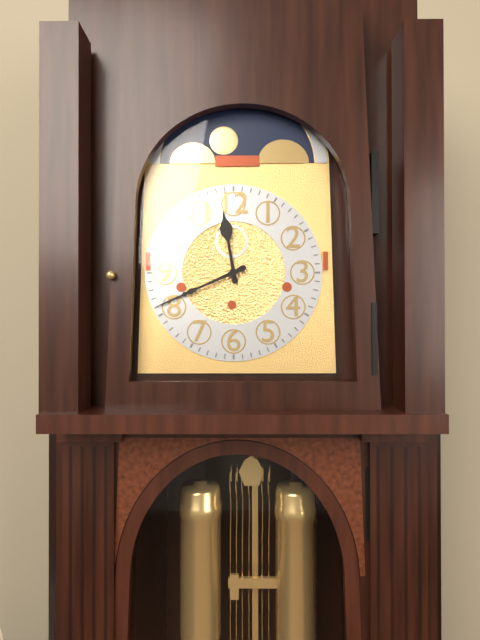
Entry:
**11:41**
